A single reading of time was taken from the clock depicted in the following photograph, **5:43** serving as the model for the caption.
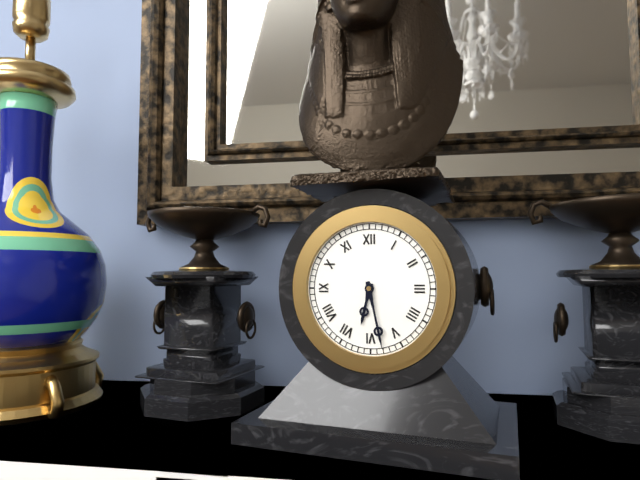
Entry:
**6:28**
